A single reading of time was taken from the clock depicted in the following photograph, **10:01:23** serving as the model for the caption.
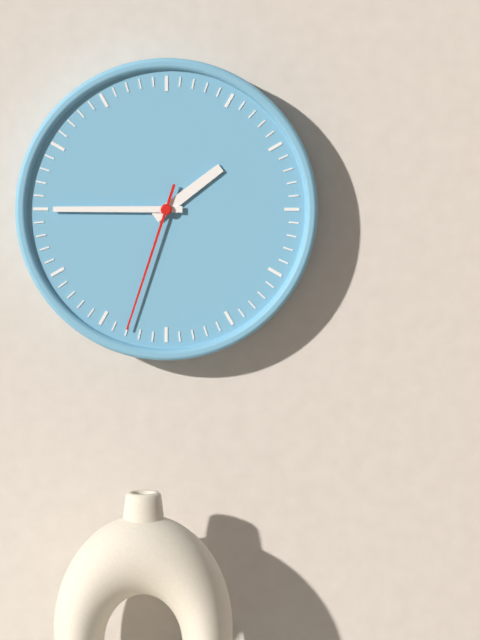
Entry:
**1:45:33**
